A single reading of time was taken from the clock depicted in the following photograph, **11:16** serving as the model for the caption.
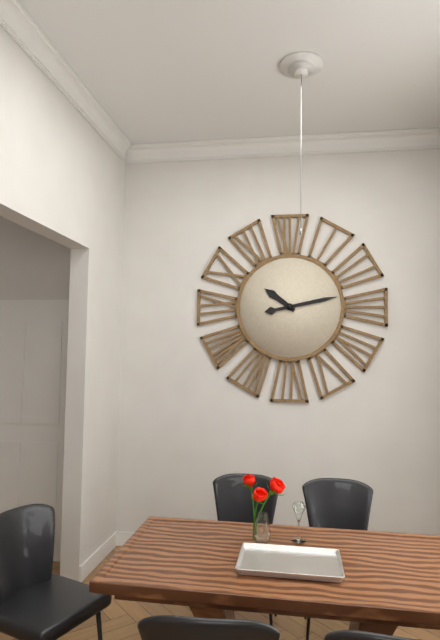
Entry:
**10:13**
